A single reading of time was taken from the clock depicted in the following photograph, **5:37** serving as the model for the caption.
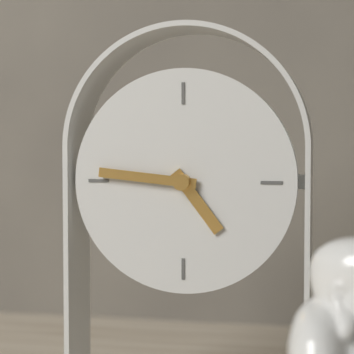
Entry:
**4:46**
